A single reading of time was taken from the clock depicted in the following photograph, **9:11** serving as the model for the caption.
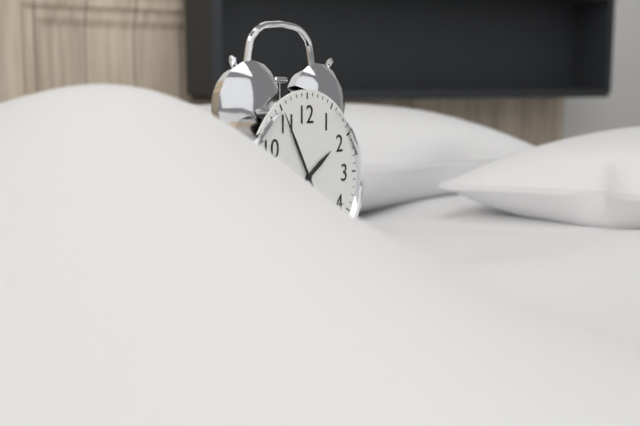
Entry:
**1:55**
